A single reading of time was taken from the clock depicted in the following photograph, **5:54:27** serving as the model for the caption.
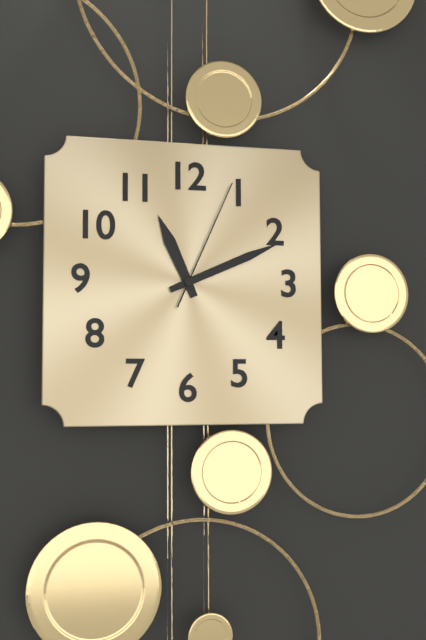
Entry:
**11:11:04**
